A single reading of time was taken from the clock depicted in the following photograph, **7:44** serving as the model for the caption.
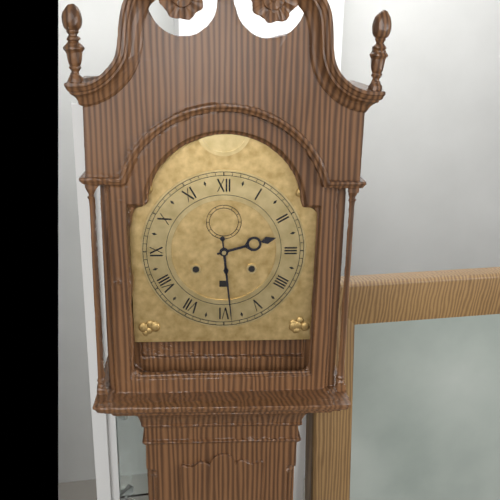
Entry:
**2:29**
